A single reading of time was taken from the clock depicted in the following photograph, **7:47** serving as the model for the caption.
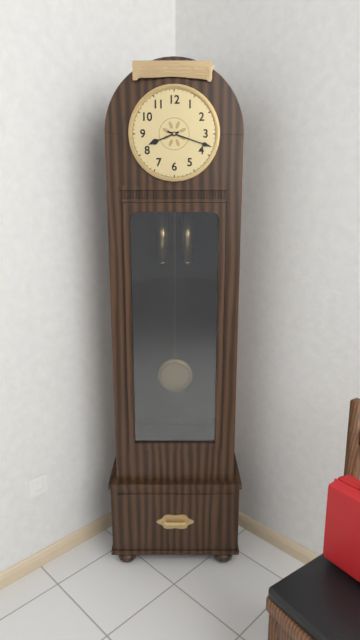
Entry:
**8:18**
